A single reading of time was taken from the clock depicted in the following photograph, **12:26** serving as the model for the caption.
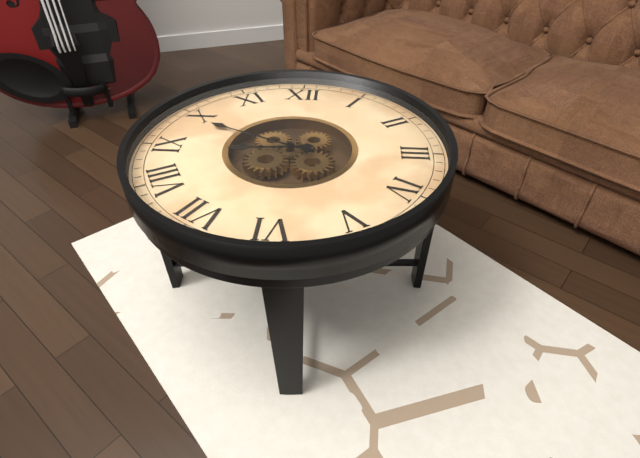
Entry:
**8:49**
